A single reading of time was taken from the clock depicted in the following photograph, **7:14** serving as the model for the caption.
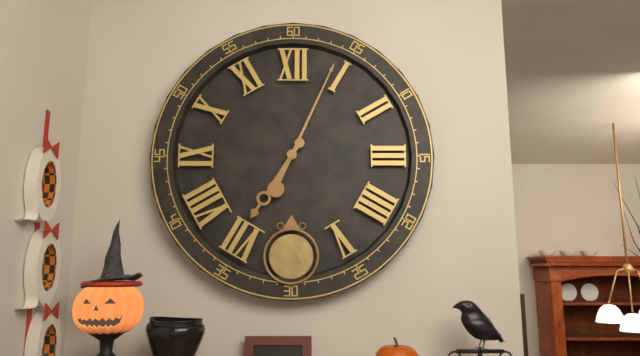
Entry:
**7:04**
